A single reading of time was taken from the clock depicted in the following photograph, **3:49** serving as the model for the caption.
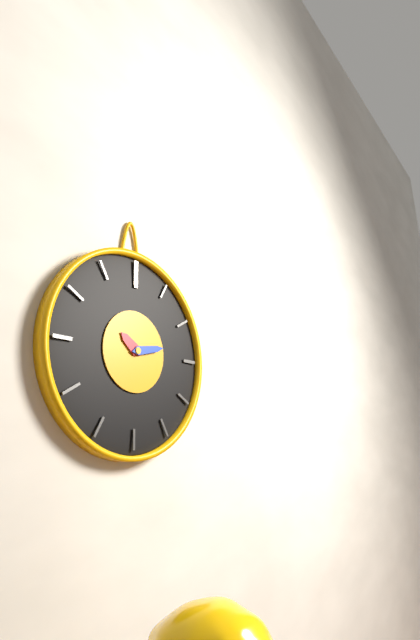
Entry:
**10:13**
